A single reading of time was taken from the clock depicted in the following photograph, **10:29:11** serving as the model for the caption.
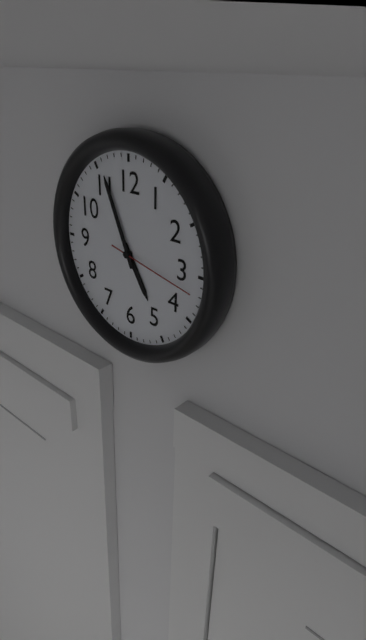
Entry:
**4:56:17**
